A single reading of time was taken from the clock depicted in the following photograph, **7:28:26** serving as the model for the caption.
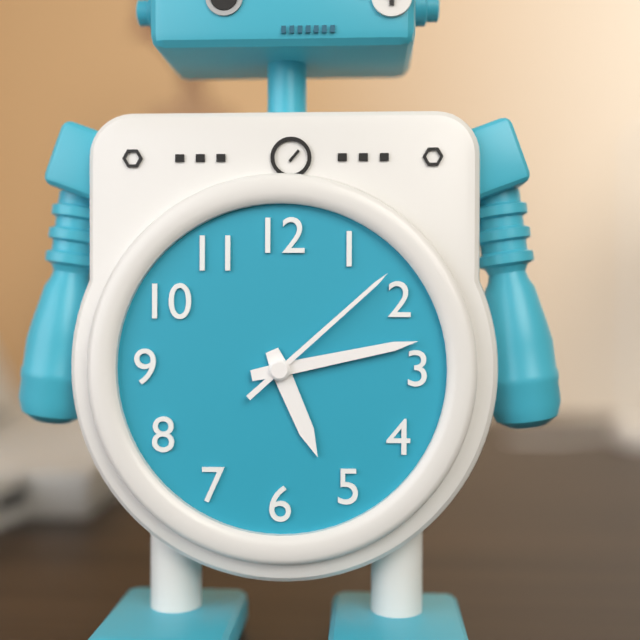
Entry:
**5:13:08**
